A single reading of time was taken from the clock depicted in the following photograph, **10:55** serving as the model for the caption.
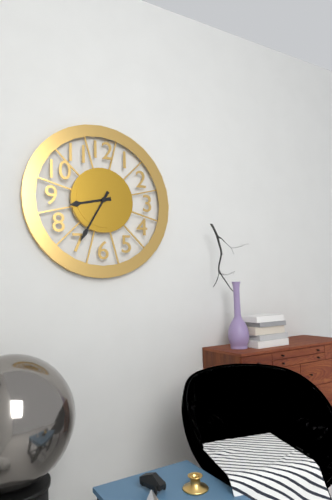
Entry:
**8:35**
